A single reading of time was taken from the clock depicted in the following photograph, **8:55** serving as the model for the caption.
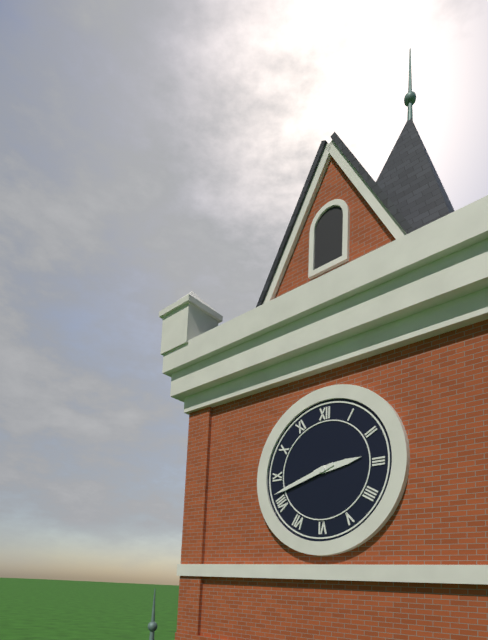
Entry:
**2:42**
